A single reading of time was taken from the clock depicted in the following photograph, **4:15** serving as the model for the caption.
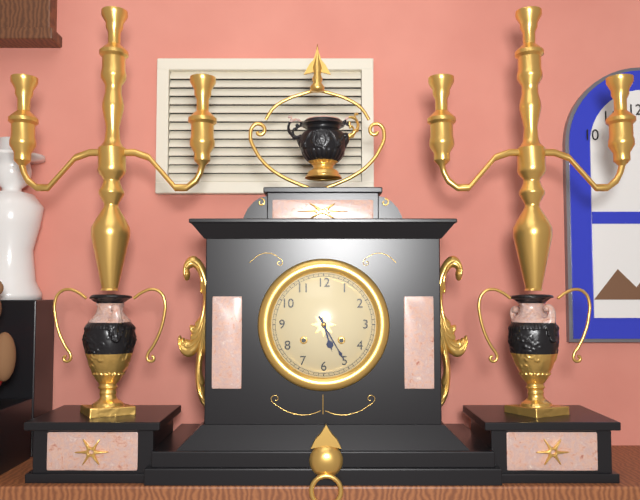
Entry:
**5:25**
